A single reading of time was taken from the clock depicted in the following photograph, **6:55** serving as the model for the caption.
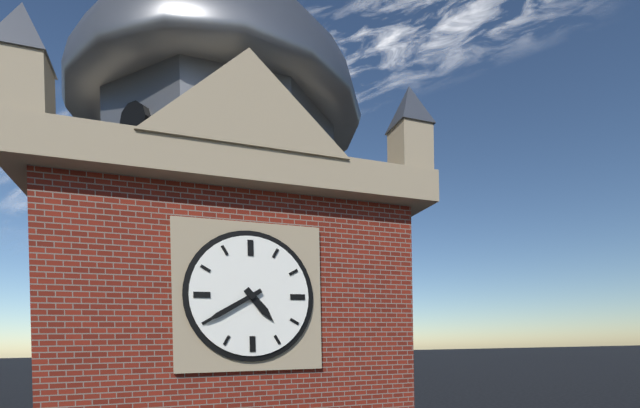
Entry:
**4:40**
